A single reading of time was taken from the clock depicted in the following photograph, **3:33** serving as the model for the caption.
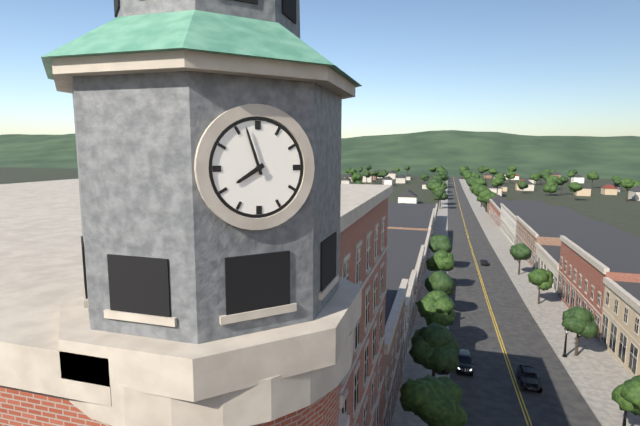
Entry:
**7:57**
